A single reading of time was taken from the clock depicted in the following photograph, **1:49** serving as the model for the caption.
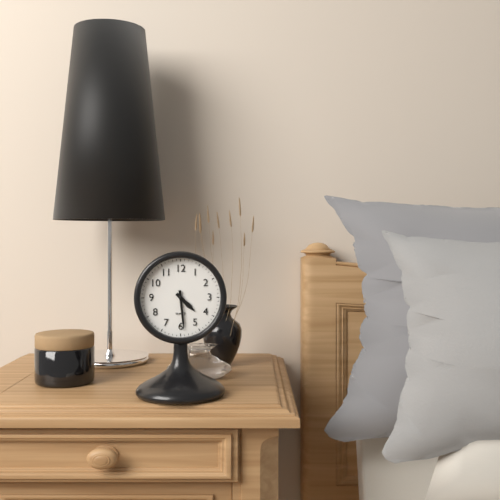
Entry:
**4:29**
